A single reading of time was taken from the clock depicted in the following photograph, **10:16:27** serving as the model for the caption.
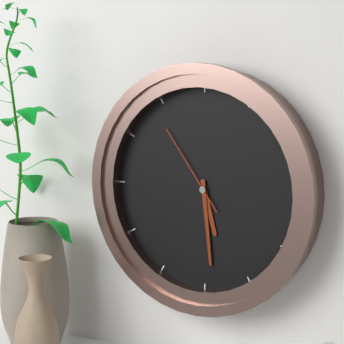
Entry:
**5:29:54**
